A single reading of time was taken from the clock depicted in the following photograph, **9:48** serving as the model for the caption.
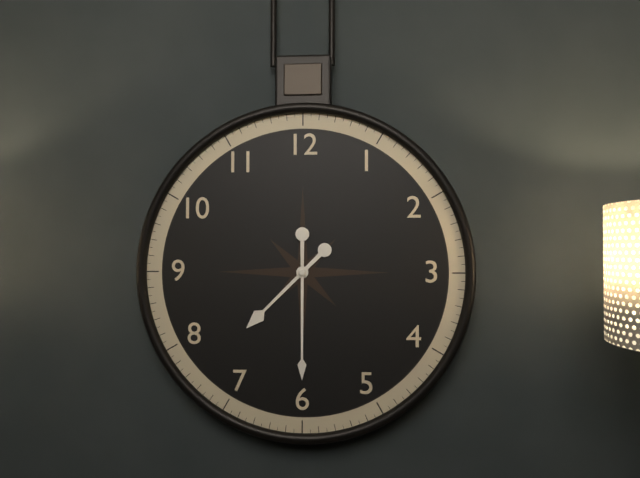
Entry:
**7:30**
